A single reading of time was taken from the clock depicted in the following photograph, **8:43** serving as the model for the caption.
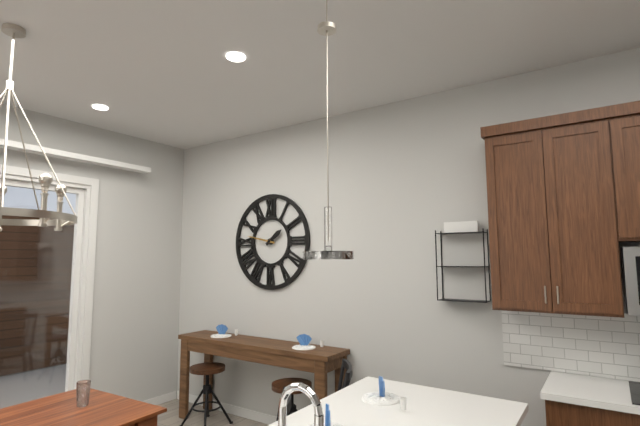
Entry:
**1:47**
